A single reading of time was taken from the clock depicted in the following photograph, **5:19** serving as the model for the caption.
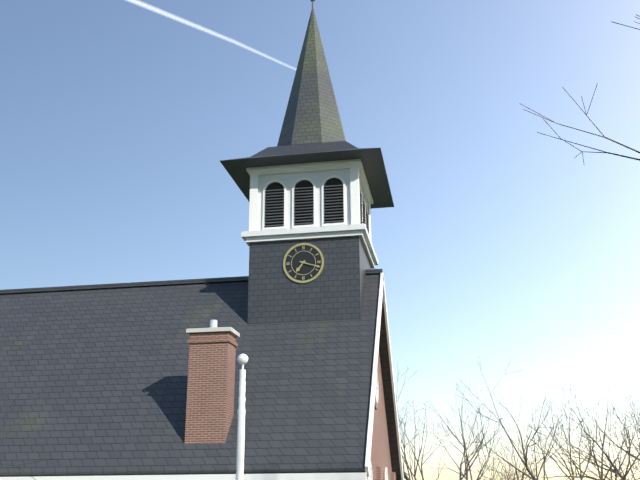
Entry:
**7:18**
